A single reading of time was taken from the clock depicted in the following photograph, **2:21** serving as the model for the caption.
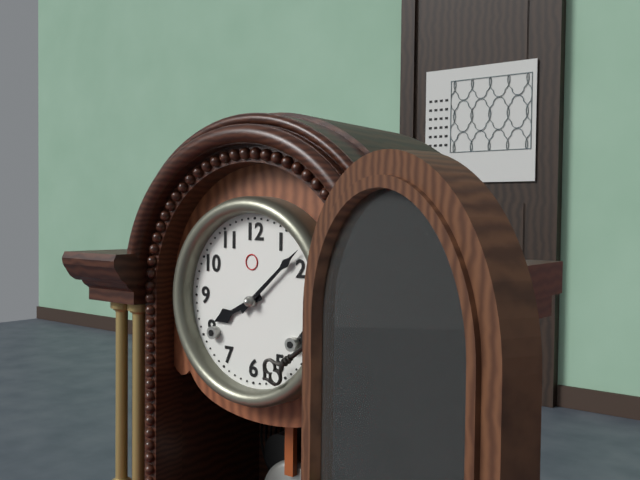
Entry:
**8:08**
